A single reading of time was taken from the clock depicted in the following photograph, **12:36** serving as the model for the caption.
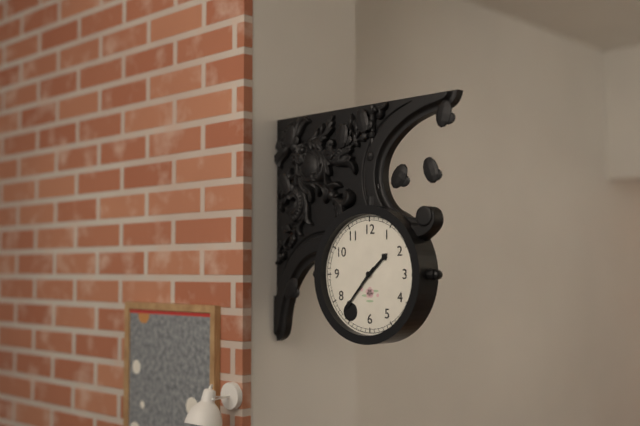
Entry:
**1:37**
